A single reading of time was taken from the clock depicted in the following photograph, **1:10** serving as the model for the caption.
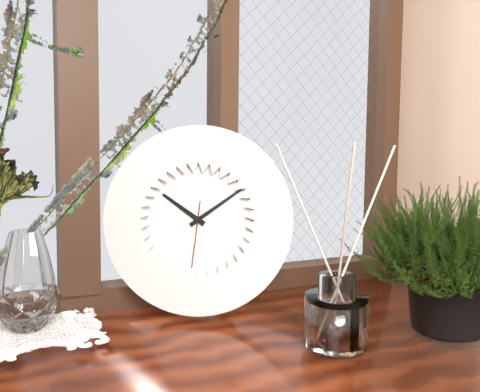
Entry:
**10:09**
